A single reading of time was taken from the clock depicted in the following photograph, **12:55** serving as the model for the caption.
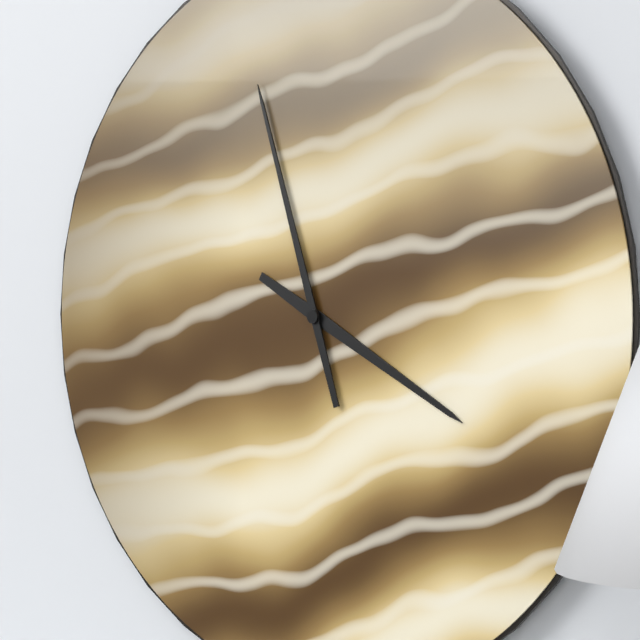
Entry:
**3:57**
